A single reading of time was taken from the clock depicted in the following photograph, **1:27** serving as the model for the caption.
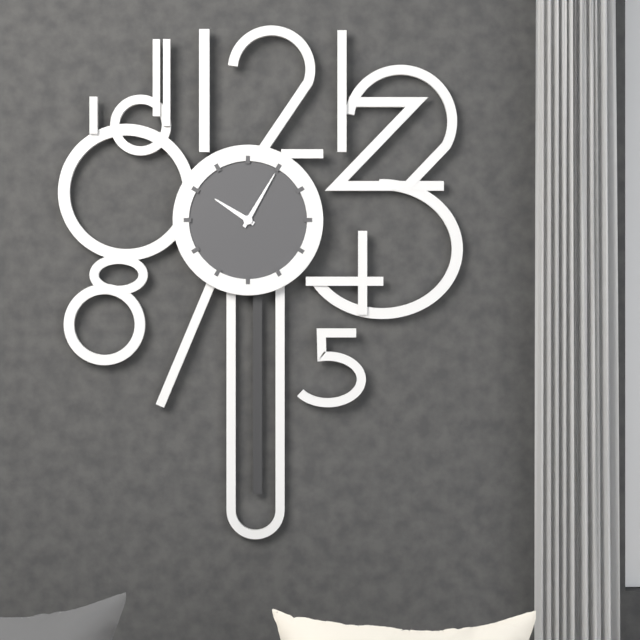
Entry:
**10:05**
